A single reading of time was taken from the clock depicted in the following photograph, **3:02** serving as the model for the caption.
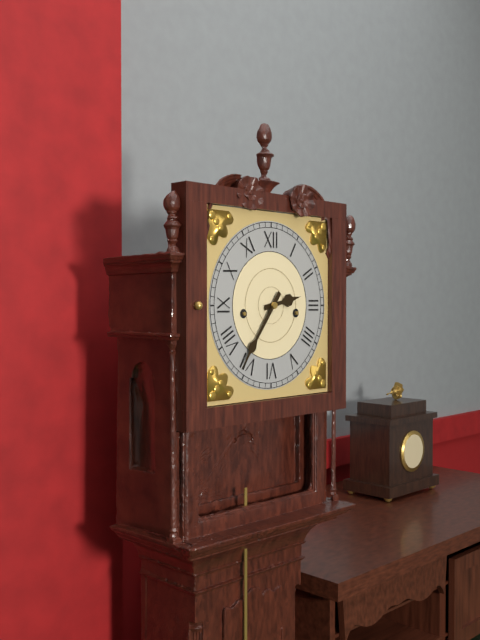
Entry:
**2:36**
